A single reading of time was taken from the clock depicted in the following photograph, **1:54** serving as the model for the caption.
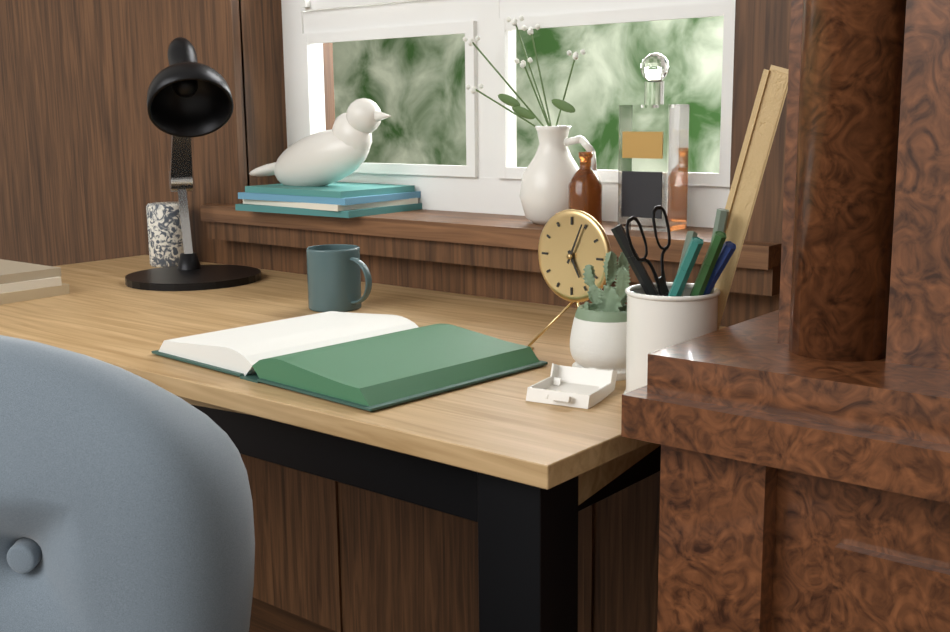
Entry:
**5:04**
